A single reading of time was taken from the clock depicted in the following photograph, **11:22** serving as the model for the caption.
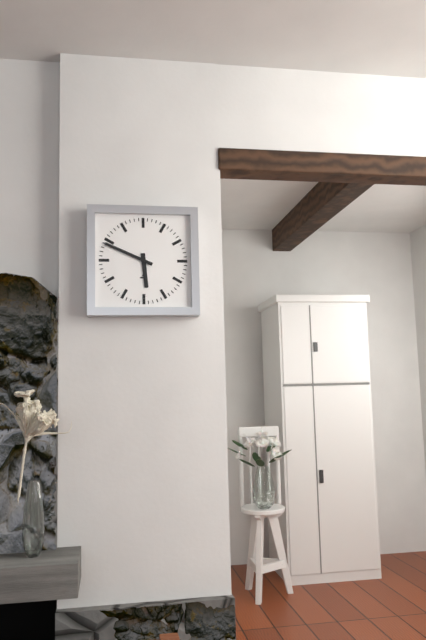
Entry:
**5:49**
